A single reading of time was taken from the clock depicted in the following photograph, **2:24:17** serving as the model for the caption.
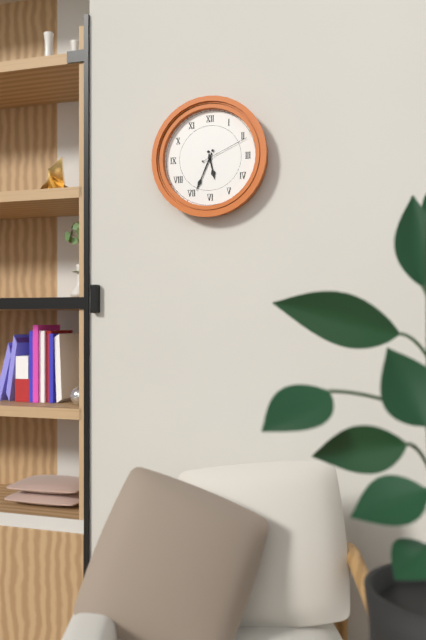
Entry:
**5:34:11**
